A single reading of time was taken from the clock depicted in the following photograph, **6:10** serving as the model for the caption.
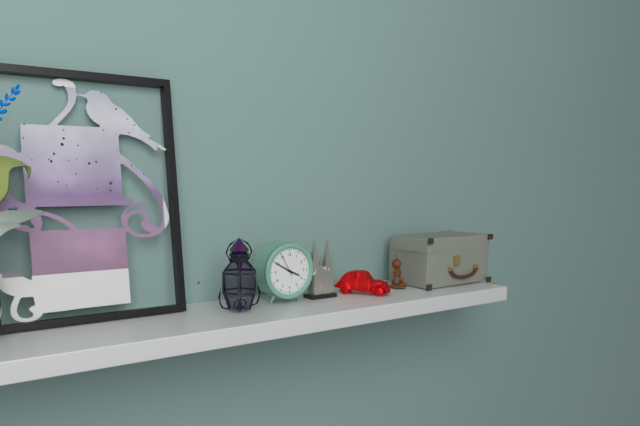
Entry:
**3:50**
